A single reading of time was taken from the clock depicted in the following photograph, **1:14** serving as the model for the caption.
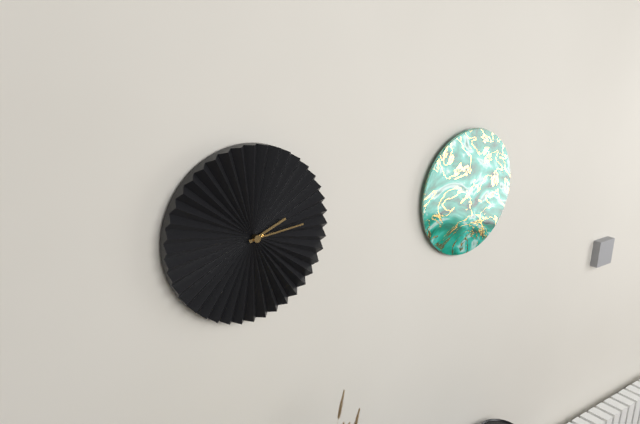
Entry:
**2:14**
